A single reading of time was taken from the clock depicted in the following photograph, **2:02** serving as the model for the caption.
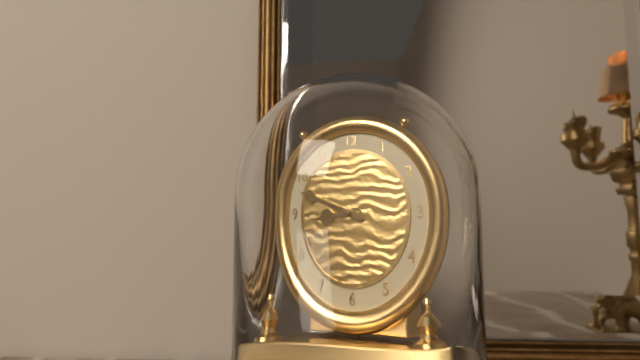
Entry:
**8:48**
